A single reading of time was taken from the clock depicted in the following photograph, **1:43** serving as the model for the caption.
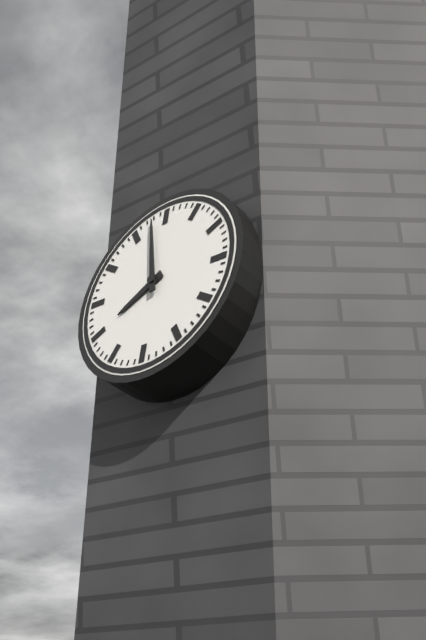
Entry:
**7:58**
